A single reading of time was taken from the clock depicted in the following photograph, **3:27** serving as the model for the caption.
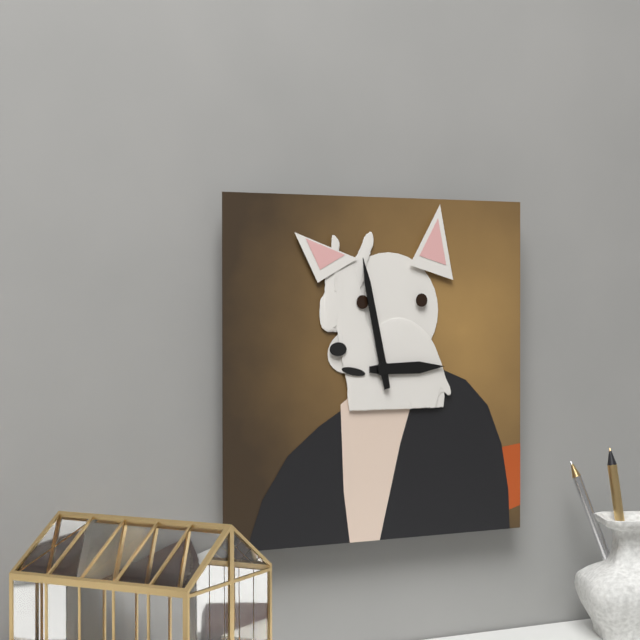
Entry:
**2:58**
